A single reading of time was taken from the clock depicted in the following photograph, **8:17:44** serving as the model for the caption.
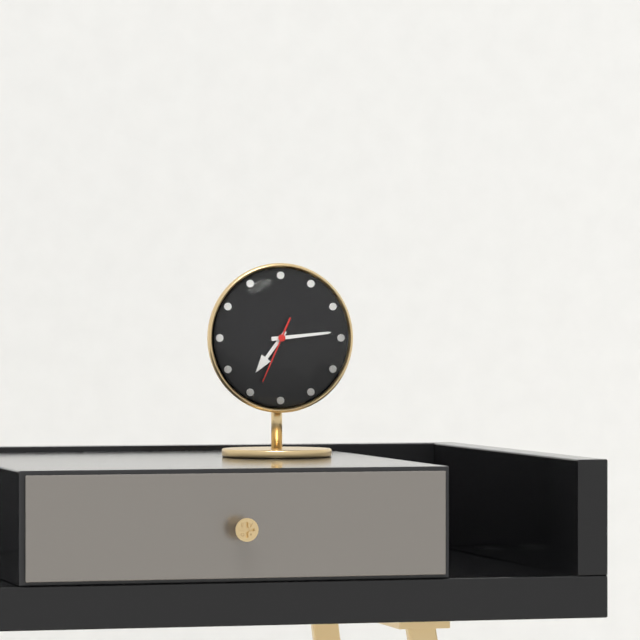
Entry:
**7:14:34**
